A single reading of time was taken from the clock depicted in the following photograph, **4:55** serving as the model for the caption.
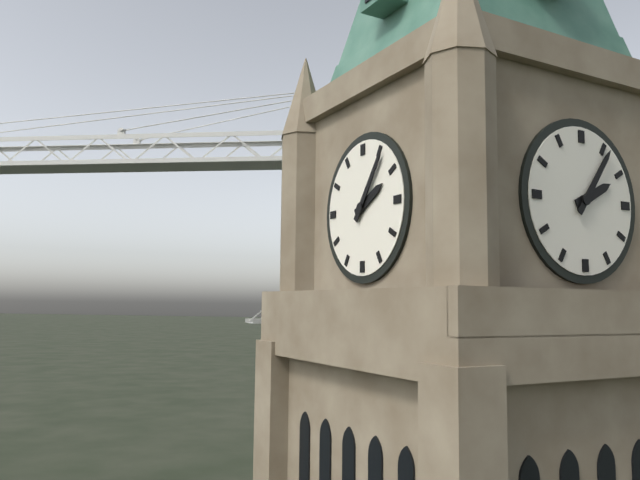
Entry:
**2:06**
